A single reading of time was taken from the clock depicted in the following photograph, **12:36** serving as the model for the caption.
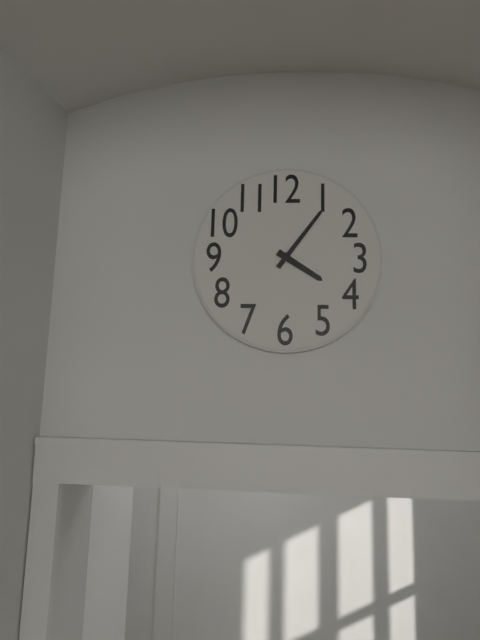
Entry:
**4:06**
